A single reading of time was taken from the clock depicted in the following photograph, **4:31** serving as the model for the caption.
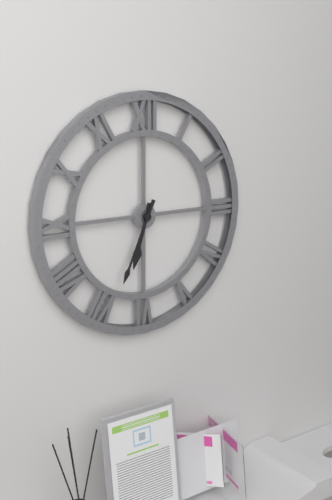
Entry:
**6:34**
